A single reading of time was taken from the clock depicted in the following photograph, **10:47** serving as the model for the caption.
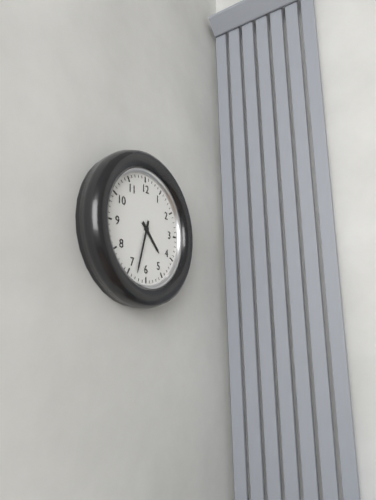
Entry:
**4:33**
